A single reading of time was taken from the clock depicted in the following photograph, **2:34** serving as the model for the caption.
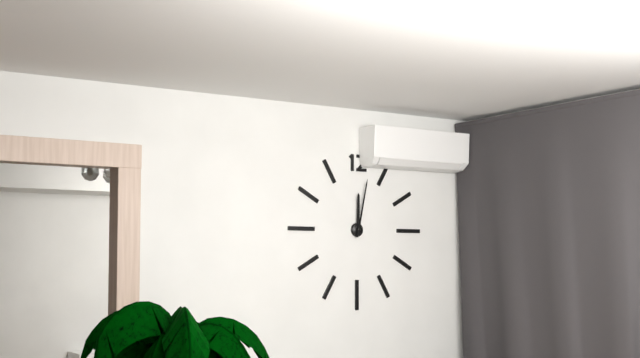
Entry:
**12:02**
